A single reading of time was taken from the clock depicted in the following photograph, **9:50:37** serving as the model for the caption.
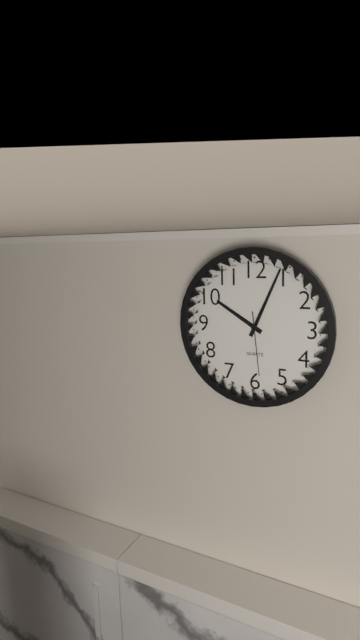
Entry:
**10:04:29**
